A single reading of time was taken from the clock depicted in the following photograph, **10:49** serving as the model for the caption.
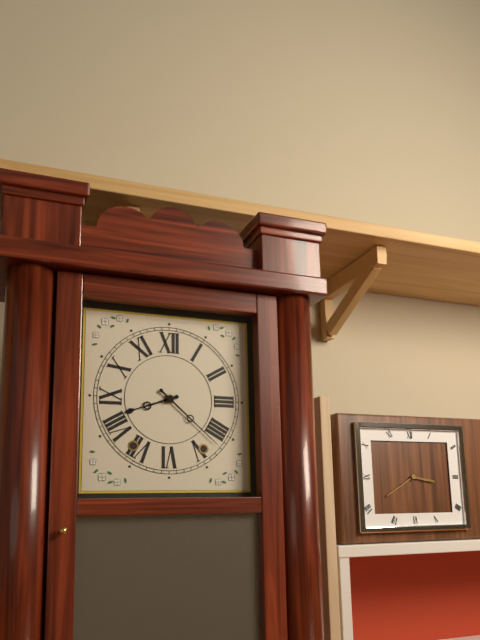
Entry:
**8:22**
